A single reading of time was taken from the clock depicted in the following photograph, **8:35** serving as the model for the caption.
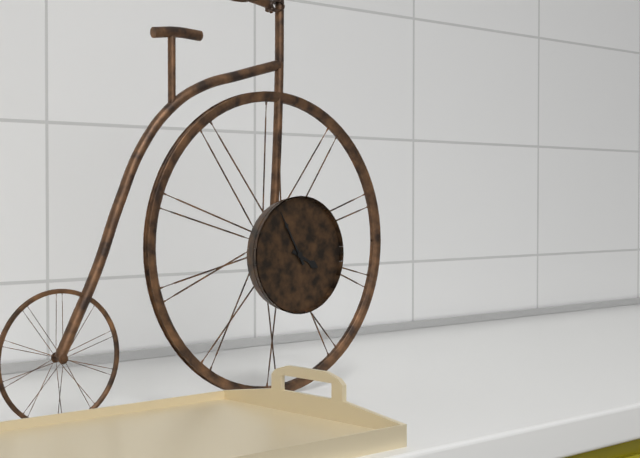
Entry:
**3:55**
